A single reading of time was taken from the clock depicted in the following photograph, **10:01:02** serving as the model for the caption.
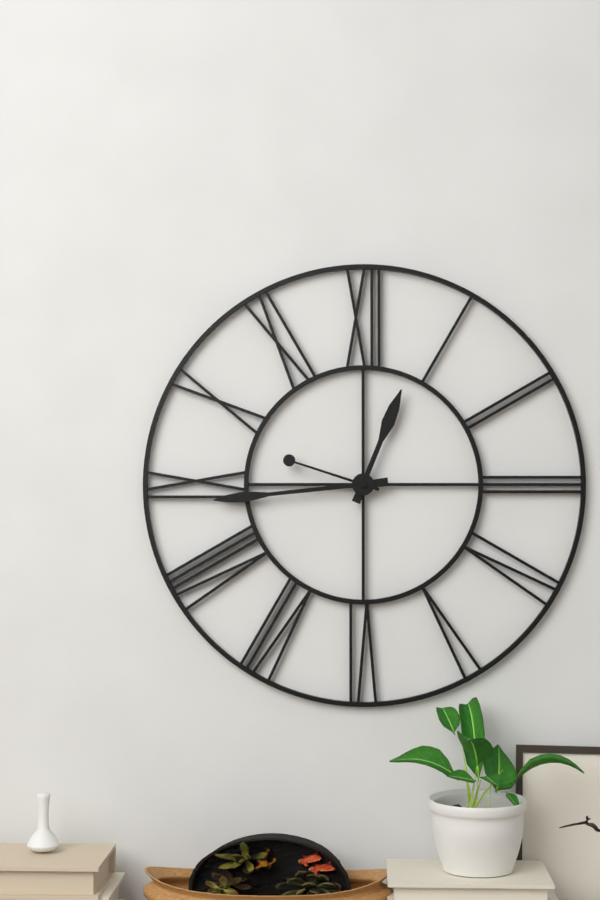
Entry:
**12:44:48**
